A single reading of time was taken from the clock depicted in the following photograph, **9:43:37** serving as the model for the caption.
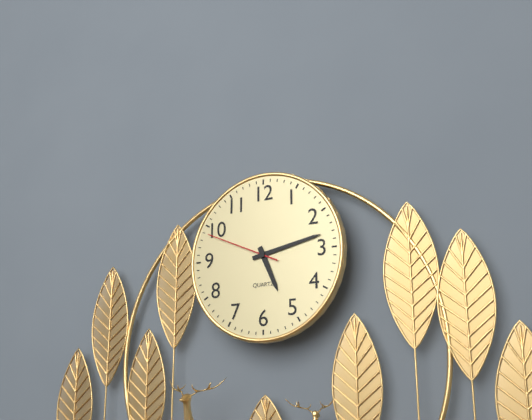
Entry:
**5:13:49**
